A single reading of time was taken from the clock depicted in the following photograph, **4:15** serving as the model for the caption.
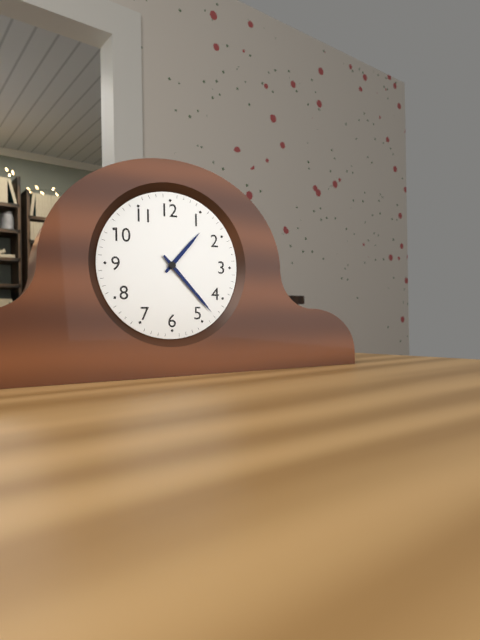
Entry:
**1:23**
